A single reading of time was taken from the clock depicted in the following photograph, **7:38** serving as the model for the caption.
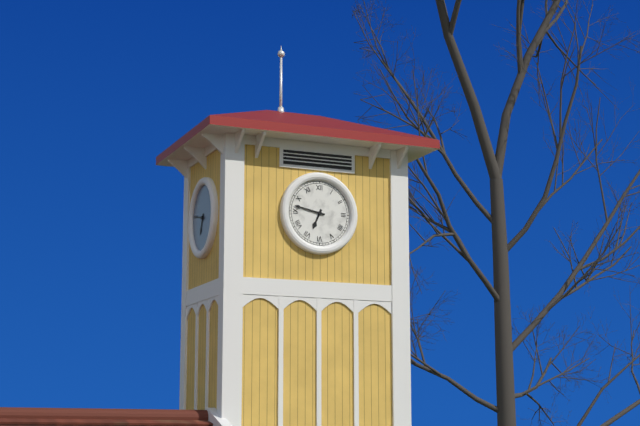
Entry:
**6:47**
